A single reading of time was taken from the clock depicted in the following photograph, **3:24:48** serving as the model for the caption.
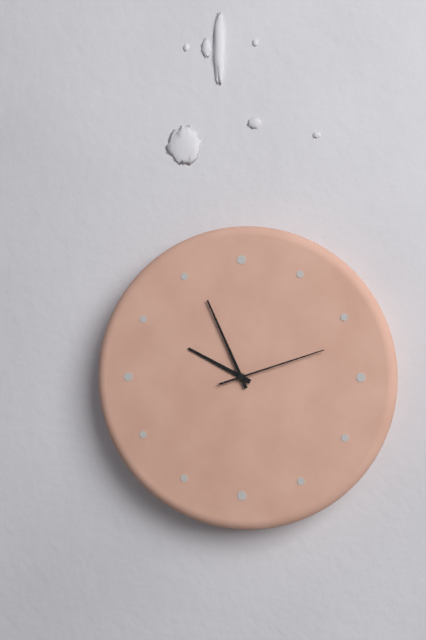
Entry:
**9:56:12**
